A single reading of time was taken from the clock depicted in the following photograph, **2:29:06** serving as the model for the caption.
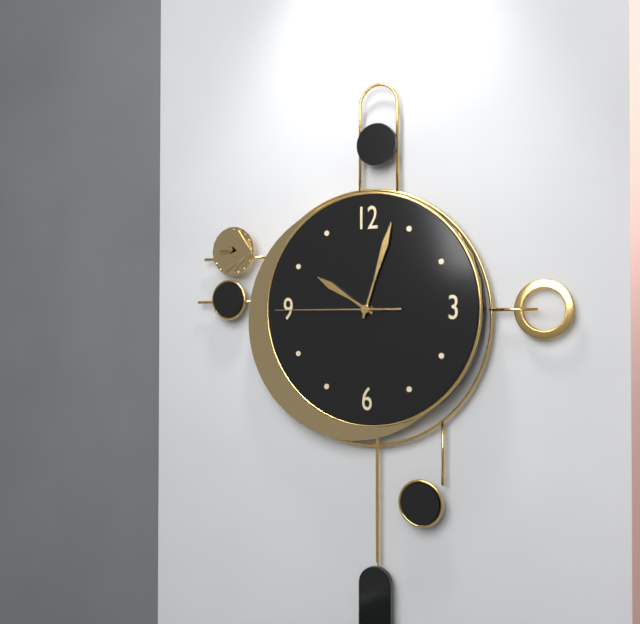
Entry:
**10:03:45**
